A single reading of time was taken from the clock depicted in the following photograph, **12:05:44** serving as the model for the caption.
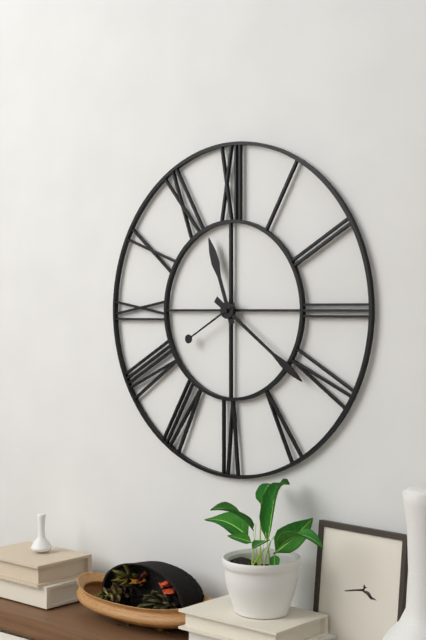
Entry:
**11:21:40**
